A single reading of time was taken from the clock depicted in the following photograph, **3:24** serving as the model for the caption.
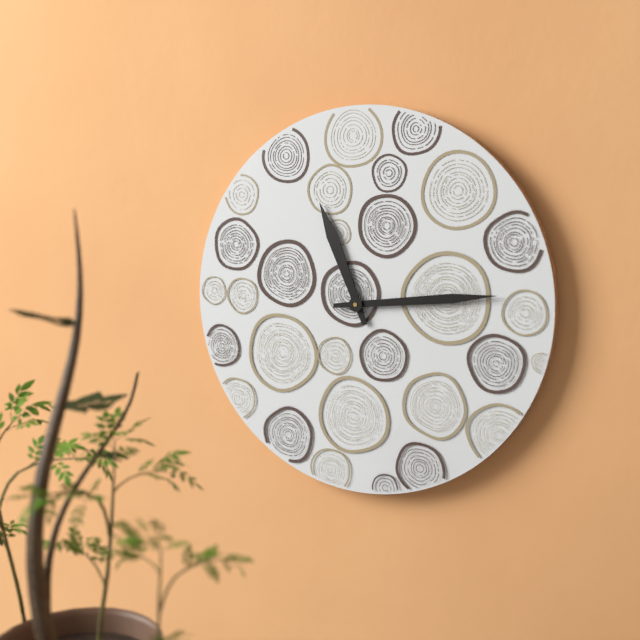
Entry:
**11:14**
